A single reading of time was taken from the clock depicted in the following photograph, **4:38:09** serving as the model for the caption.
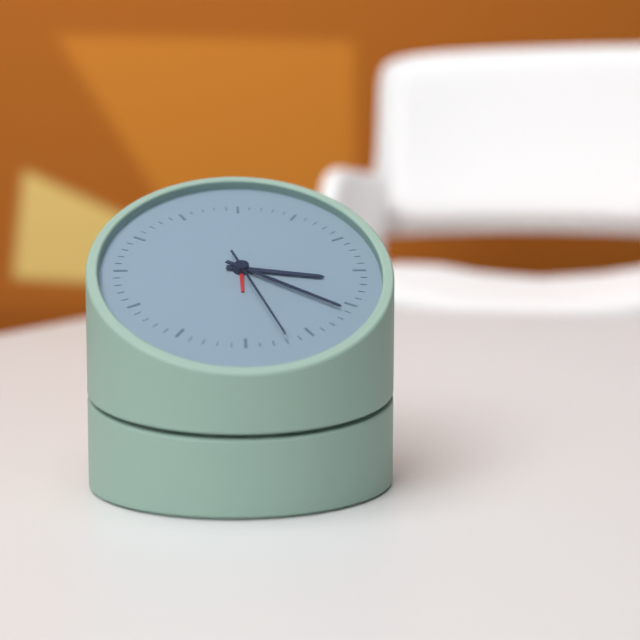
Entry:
**3:21:27**
